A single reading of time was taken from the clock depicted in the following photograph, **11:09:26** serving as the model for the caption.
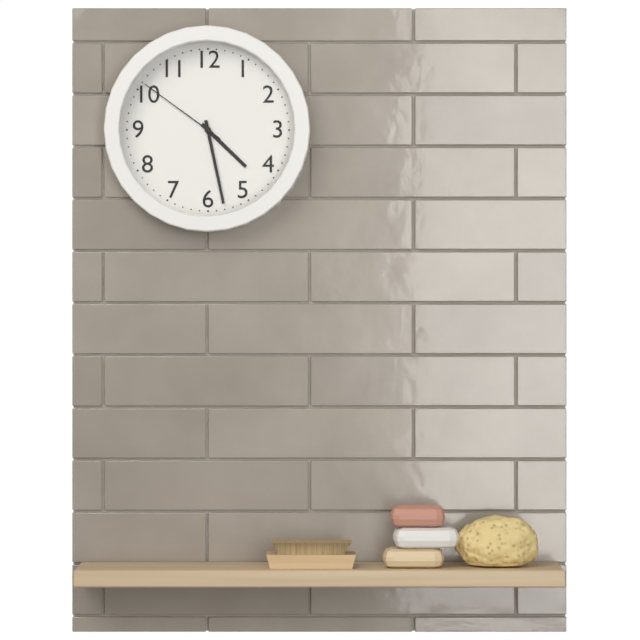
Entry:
**4:28:51**
